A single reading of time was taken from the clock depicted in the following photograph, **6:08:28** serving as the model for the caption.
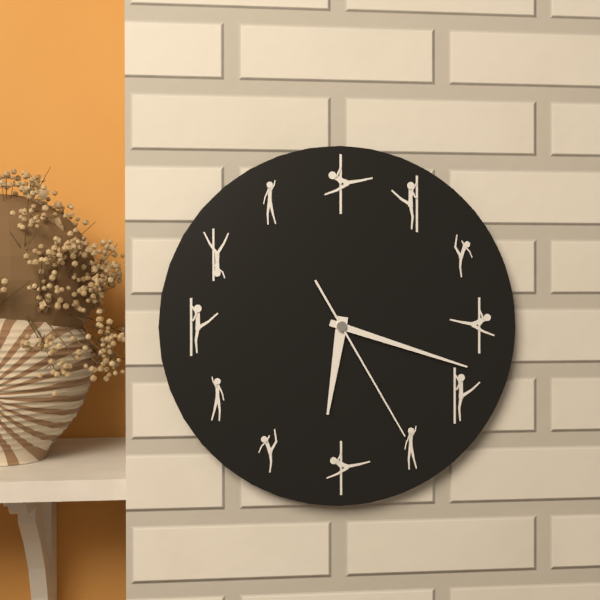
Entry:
**6:18:25**
